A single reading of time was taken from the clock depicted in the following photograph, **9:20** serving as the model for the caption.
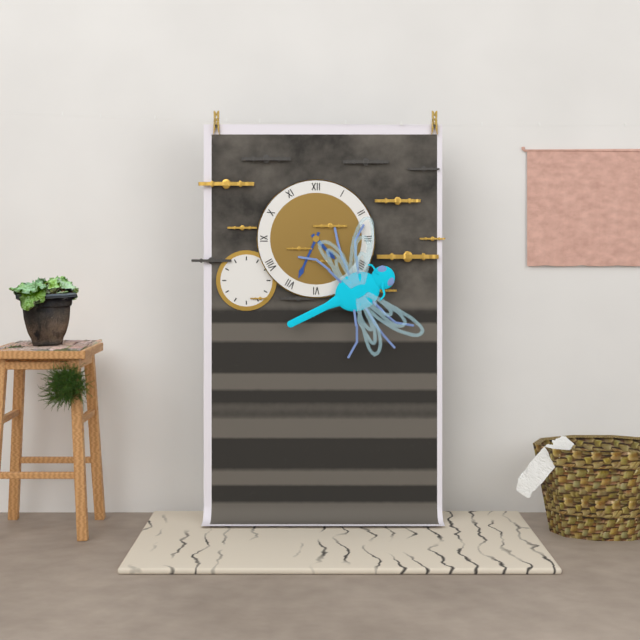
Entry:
**4:34**
